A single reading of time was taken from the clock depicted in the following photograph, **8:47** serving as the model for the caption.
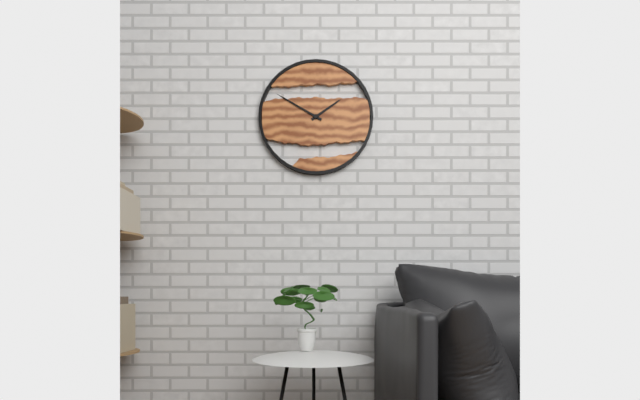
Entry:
**1:50**
